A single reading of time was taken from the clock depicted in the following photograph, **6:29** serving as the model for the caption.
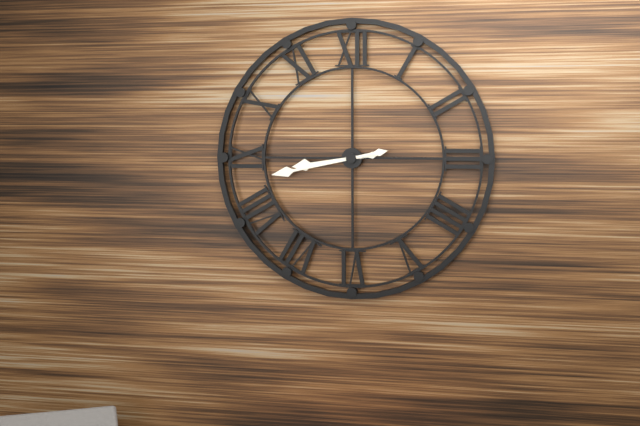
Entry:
**8:43**
